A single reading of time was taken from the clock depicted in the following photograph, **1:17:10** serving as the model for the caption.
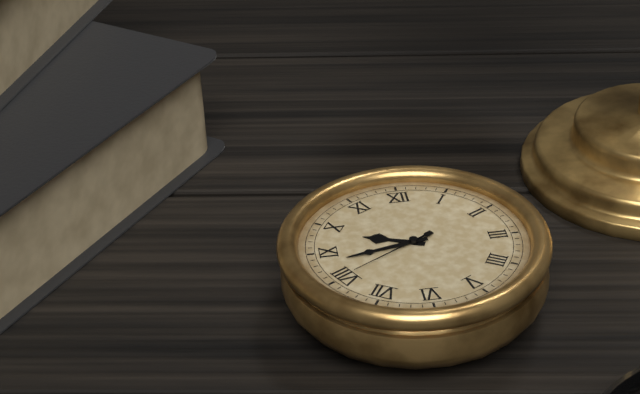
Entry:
**9:43:40**
